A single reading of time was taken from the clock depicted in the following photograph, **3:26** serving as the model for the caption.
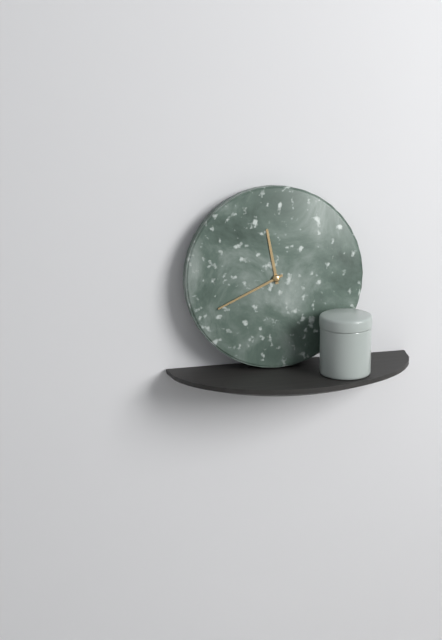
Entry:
**11:41**
